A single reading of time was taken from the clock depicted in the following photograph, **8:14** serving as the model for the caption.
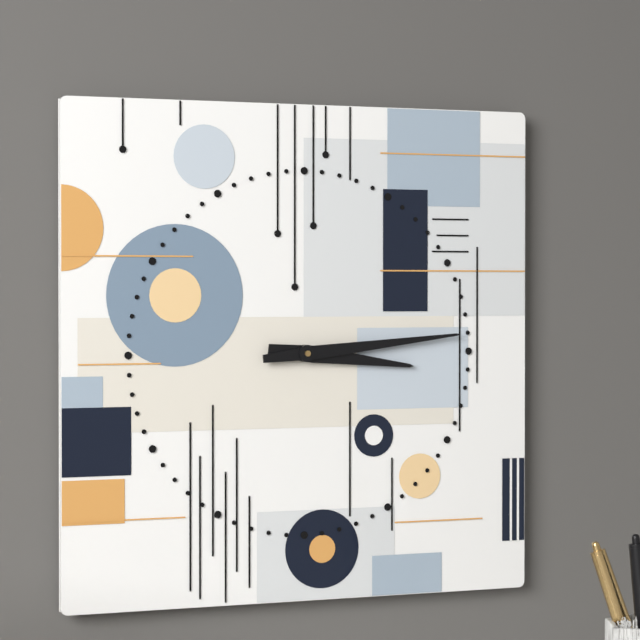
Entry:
**3:14**
